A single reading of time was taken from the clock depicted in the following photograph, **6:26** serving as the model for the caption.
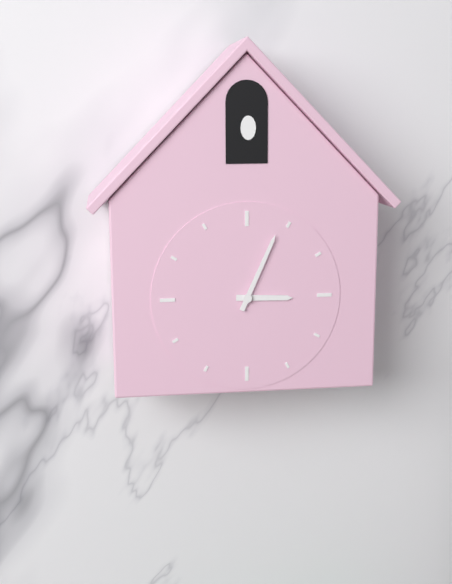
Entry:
**3:04**
